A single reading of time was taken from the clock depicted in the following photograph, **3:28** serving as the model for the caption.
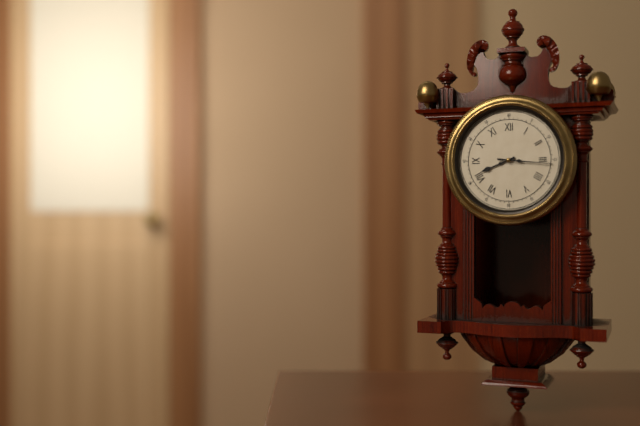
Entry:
**8:16**
